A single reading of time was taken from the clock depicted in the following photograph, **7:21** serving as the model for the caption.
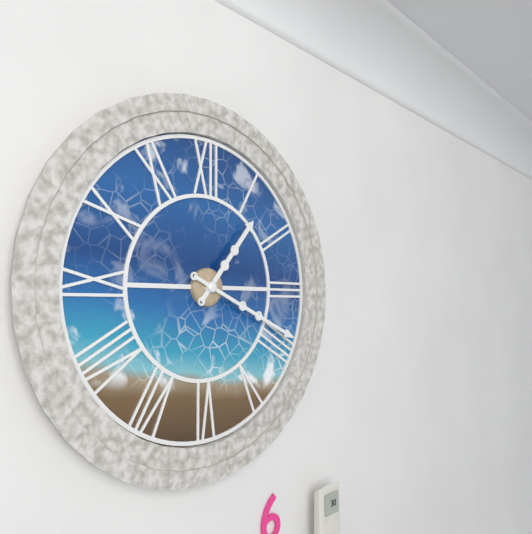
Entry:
**1:19**
